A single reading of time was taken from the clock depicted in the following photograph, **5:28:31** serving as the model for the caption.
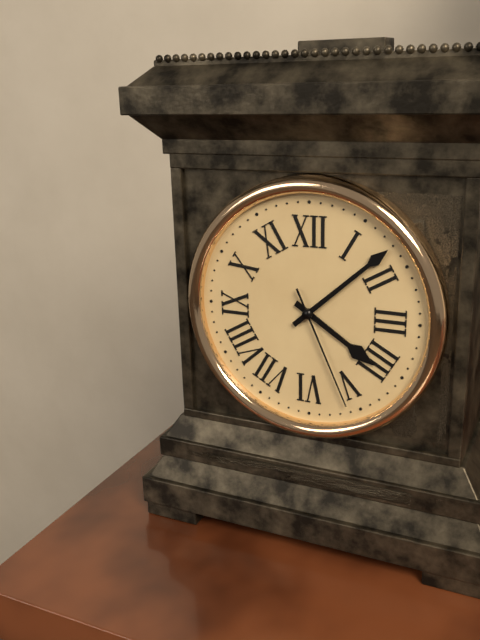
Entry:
**4:08:26**
